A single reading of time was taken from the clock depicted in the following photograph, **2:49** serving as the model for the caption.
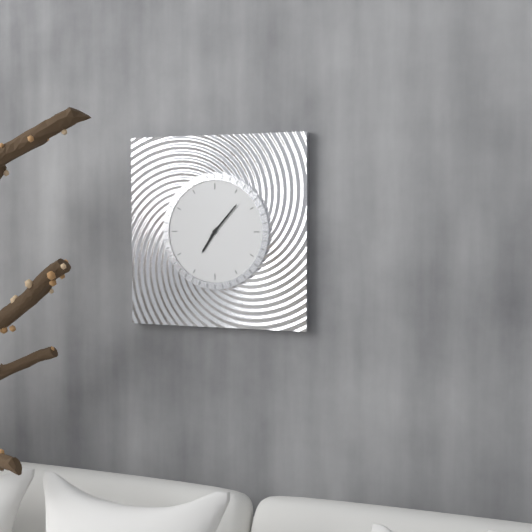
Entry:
**7:07**
